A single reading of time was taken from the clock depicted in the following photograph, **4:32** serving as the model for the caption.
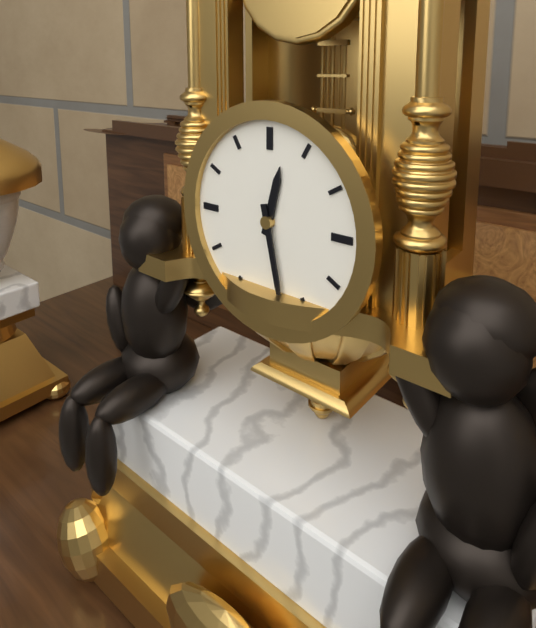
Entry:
**12:28**
